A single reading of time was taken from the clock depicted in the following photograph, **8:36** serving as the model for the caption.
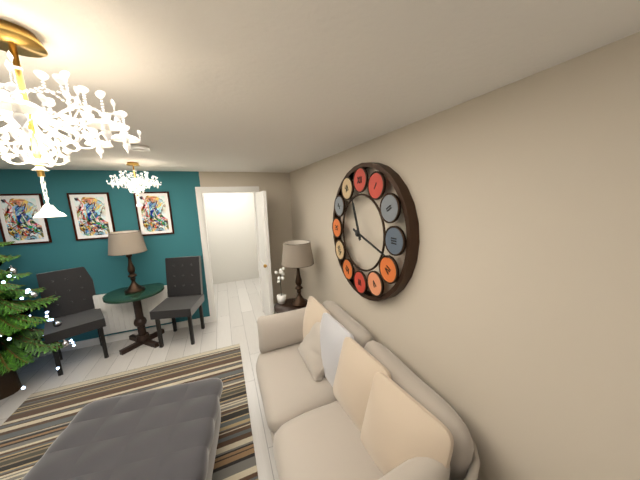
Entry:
**11:18**
